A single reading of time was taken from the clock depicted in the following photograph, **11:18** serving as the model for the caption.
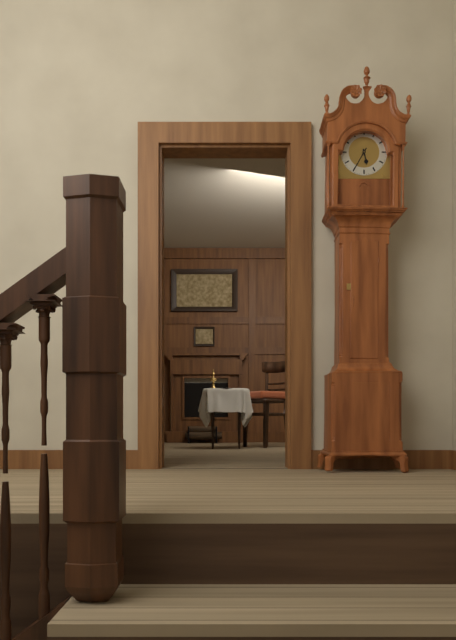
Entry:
**5:35**
